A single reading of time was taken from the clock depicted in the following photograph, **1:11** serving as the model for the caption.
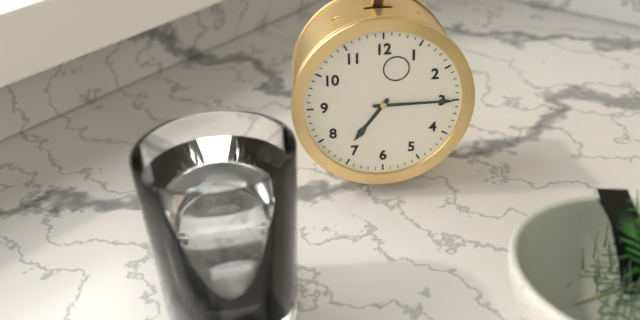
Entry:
**7:15**
